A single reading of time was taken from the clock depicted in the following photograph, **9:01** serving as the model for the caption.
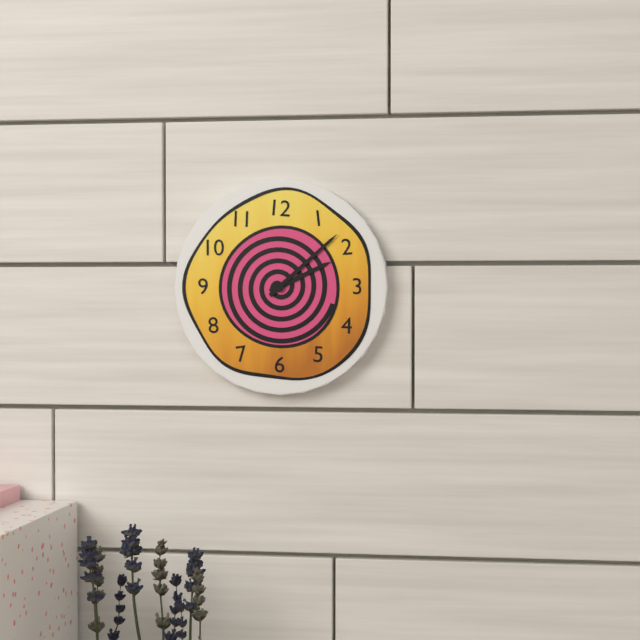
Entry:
**2:08**
